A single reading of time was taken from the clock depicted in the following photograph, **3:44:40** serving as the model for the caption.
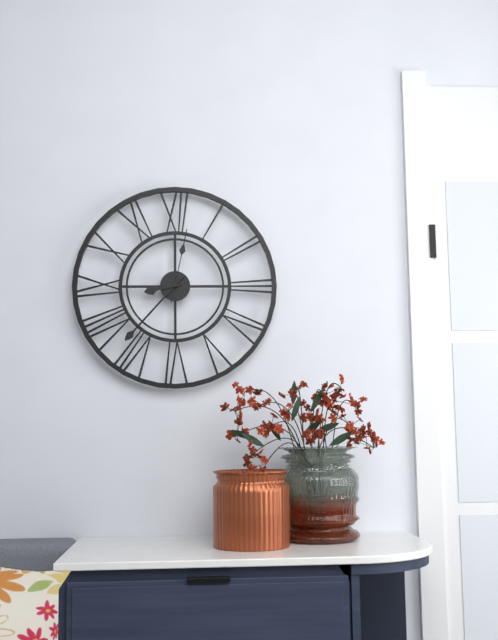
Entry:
**8:37:02**
